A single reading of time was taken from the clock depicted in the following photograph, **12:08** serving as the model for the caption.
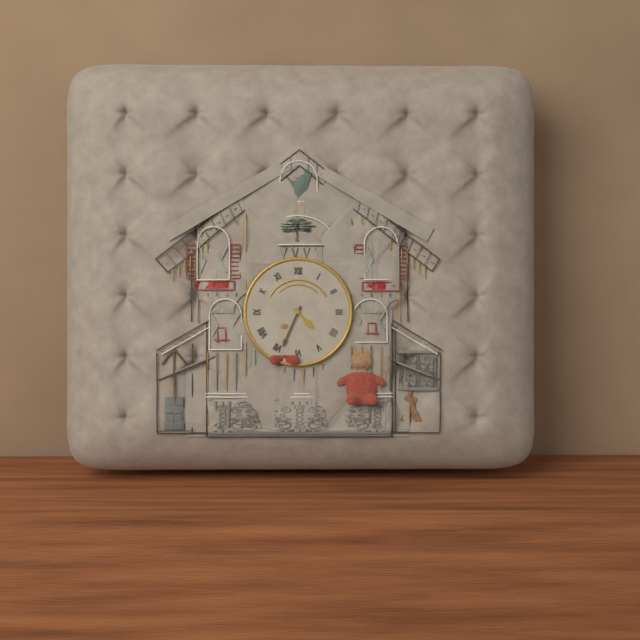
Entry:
**4:34**
